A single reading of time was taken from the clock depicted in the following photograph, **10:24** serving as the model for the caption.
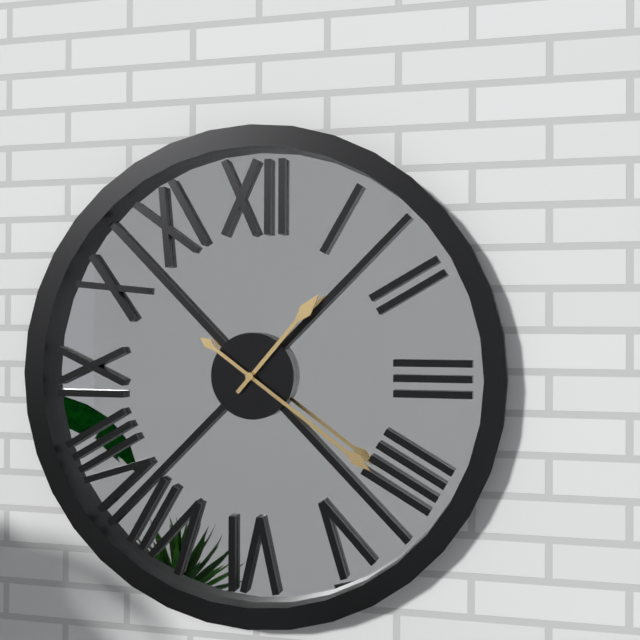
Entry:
**1:21**
